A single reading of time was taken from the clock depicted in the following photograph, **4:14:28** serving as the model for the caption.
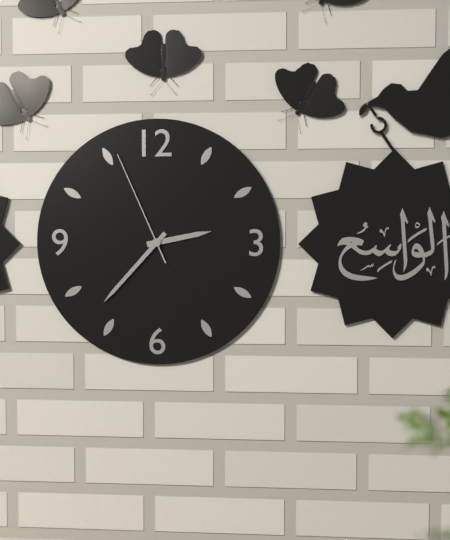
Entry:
**2:37:56**
